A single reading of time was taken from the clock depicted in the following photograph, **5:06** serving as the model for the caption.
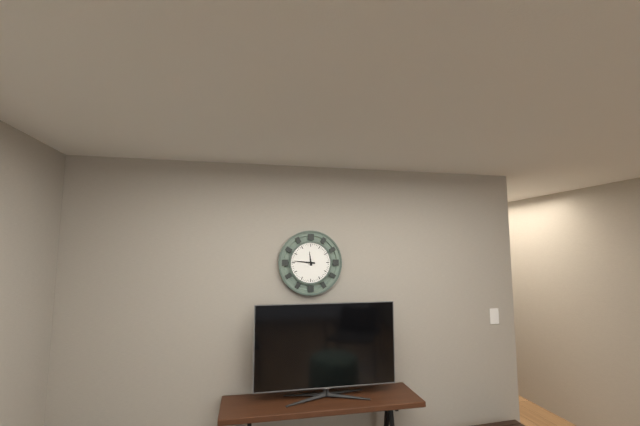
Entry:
**11:46**
